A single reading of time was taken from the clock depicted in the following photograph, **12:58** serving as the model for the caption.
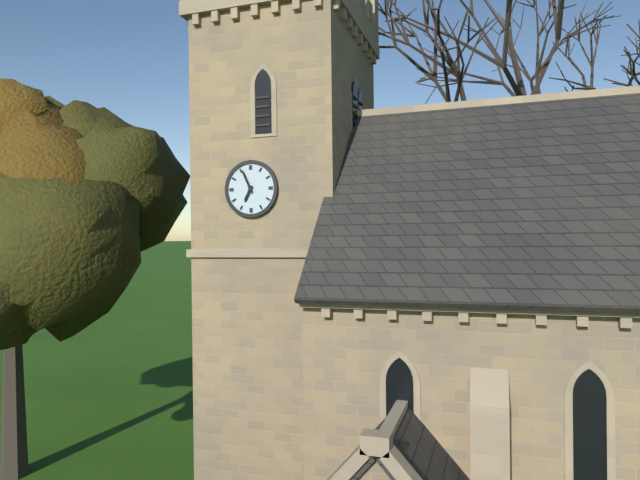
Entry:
**6:56**
